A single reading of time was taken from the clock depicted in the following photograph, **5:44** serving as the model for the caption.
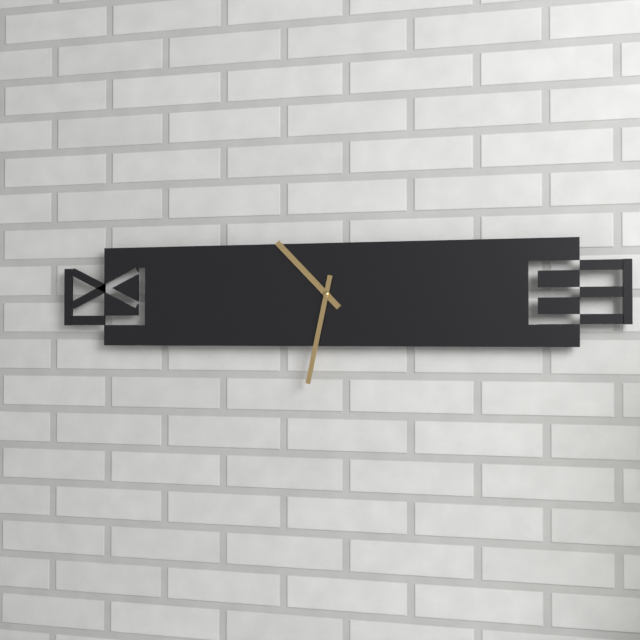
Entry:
**10:32**
